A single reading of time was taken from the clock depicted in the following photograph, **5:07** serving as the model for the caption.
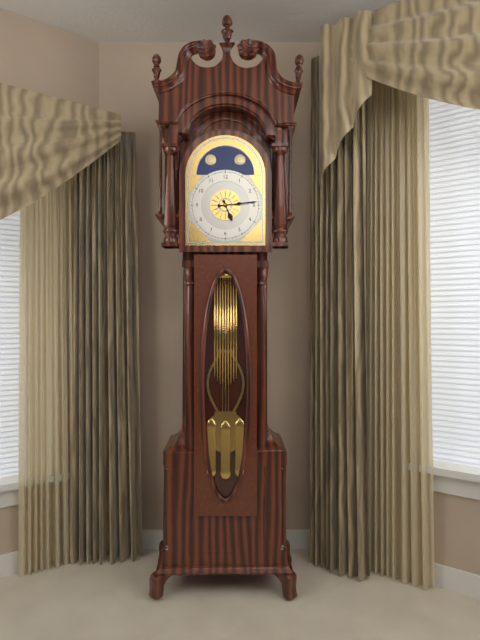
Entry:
**5:14**
